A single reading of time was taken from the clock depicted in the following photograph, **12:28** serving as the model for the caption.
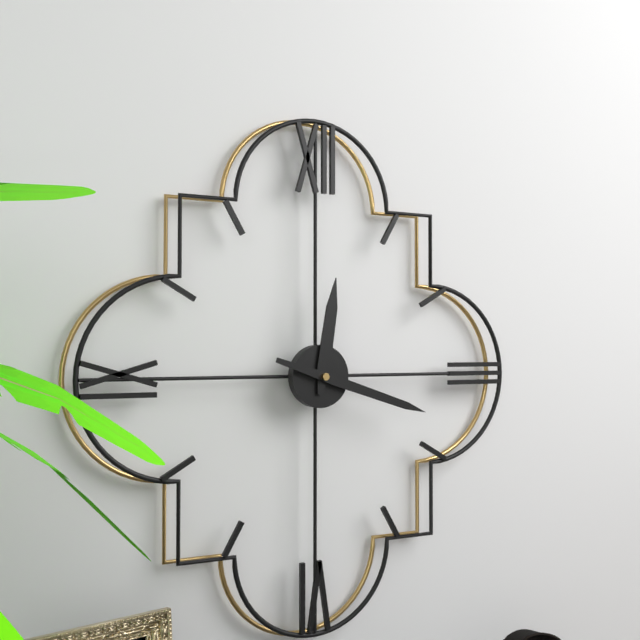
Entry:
**12:18**
